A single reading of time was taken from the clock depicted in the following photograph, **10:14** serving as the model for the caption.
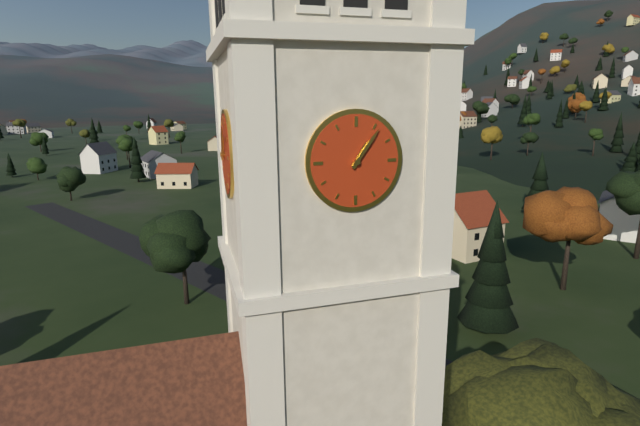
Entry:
**1:06**
